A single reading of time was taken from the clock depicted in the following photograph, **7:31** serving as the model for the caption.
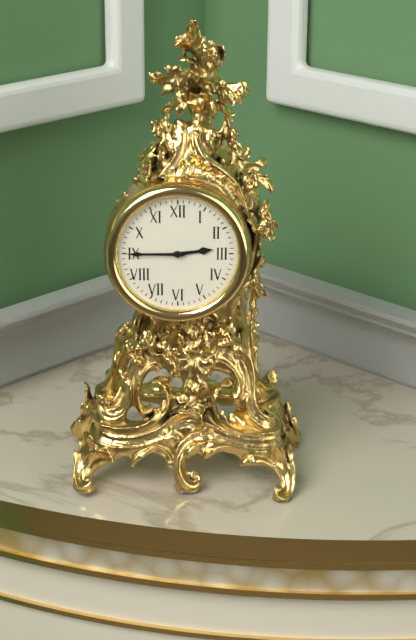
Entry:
**2:45**
